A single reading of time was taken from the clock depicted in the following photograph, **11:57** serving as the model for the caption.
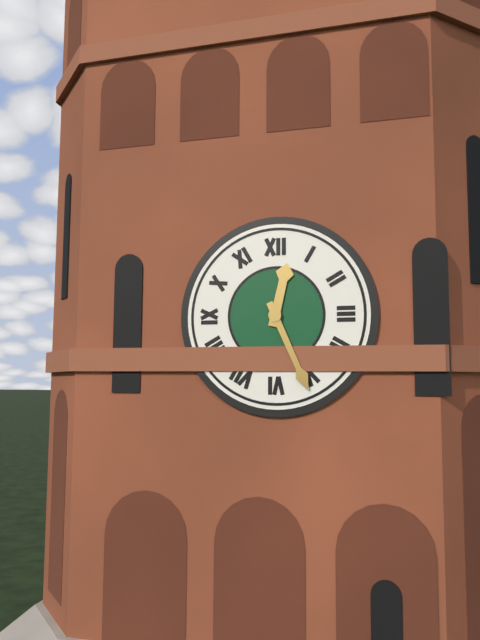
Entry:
**12:26**
